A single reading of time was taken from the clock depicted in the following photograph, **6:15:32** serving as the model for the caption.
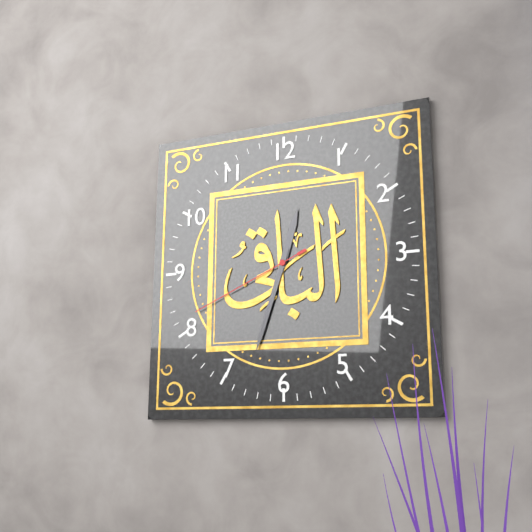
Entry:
**12:33:41**
